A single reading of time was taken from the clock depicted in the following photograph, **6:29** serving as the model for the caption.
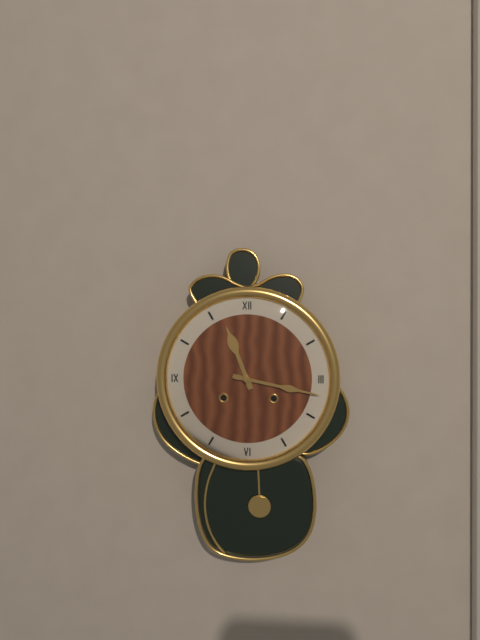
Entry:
**11:17**
